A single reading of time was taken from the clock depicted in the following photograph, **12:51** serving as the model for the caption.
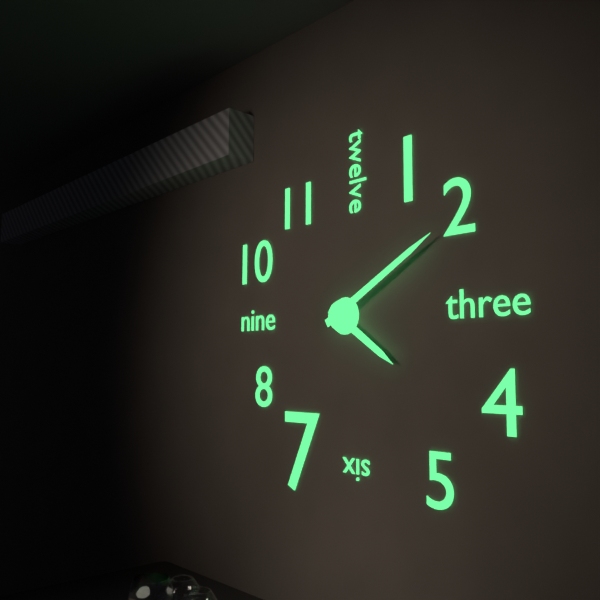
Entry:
**4:10**
